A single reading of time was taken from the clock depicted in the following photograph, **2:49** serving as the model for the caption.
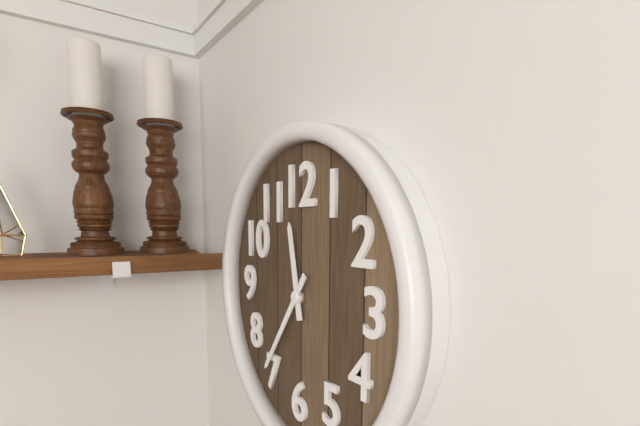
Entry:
**11:36**
